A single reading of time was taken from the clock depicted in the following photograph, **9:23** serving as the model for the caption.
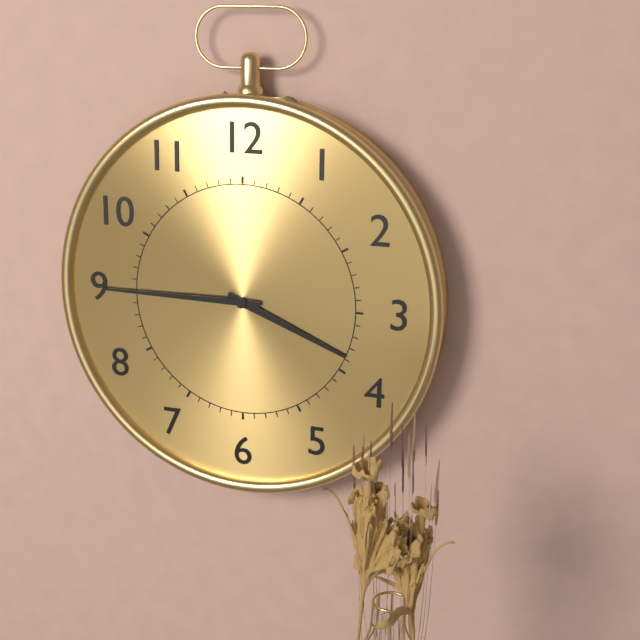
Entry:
**3:45**
